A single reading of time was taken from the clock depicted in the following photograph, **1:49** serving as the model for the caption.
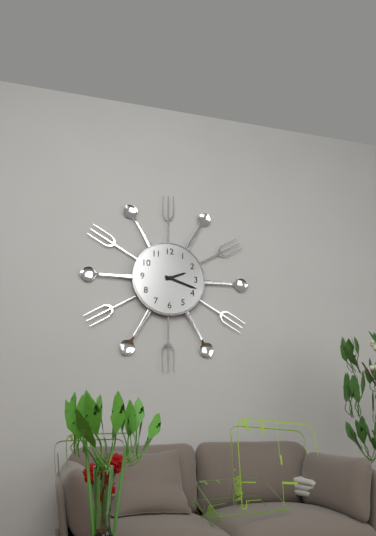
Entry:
**2:18**
